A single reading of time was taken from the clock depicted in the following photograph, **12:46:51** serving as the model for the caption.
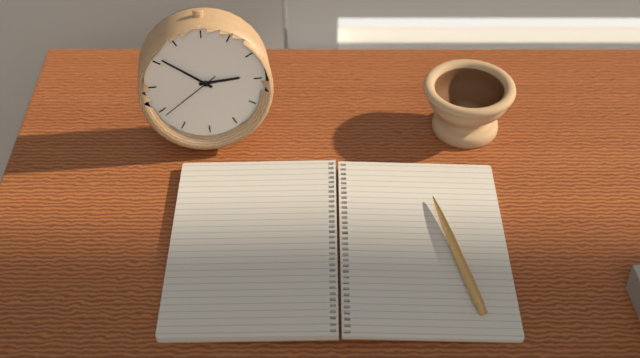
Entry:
**2:51:39**
